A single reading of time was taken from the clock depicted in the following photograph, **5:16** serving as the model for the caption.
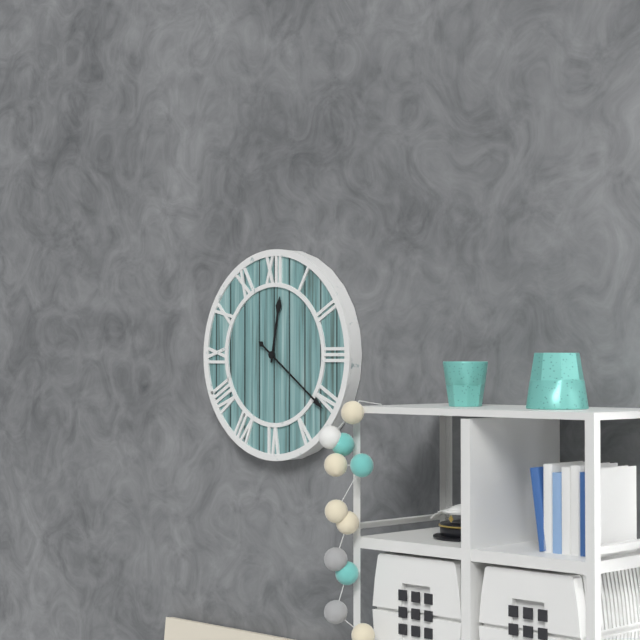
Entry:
**12:21**
